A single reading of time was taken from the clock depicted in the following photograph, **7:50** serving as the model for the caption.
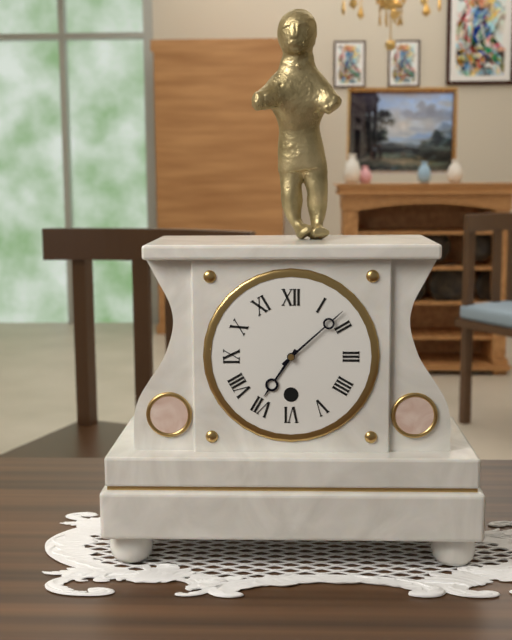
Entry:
**7:08**
